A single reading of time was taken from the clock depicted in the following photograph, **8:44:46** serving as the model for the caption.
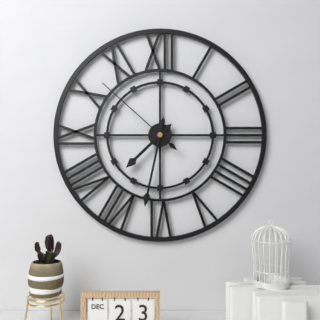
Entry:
**7:32:52**
